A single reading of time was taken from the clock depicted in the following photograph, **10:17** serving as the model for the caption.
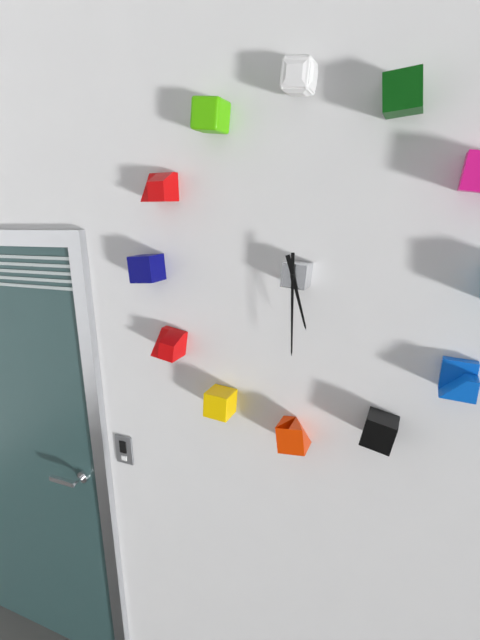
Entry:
**5:30**
